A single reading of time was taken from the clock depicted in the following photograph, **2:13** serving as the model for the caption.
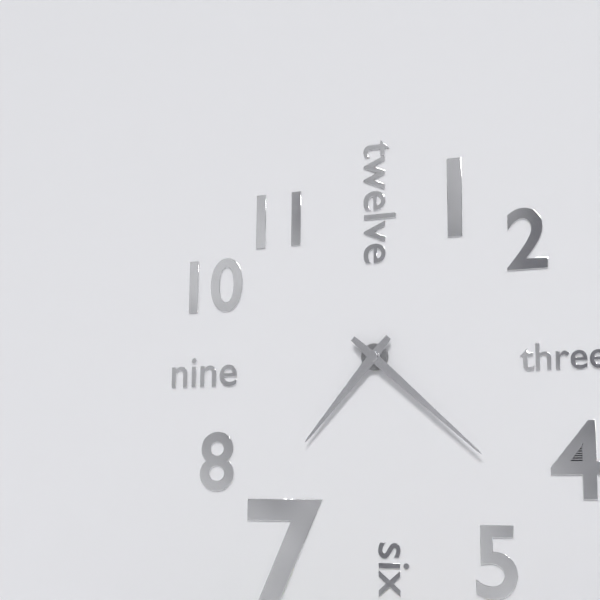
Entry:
**7:22**
